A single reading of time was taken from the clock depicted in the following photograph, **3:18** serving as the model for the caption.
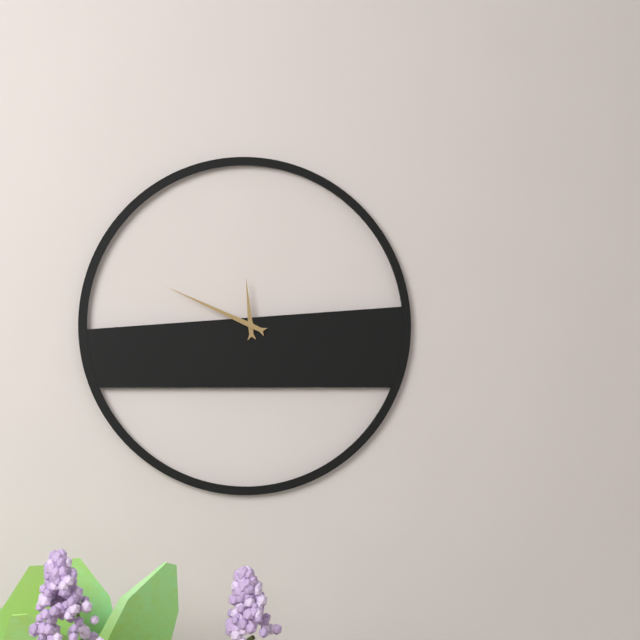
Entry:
**11:49**
